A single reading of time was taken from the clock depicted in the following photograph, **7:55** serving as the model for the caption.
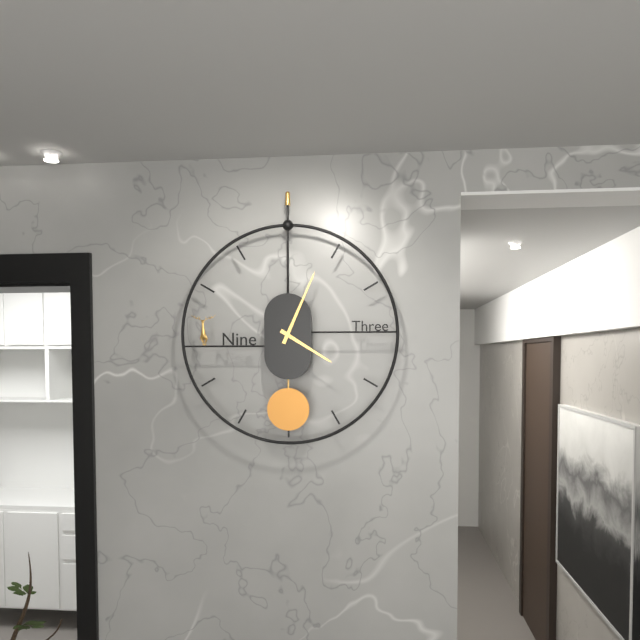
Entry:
**4:04**
